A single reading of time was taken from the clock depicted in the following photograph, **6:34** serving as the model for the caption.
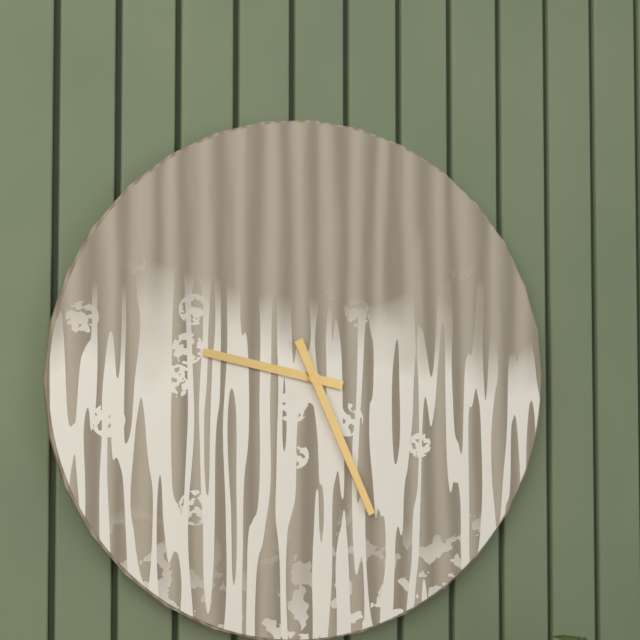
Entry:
**9:26**
